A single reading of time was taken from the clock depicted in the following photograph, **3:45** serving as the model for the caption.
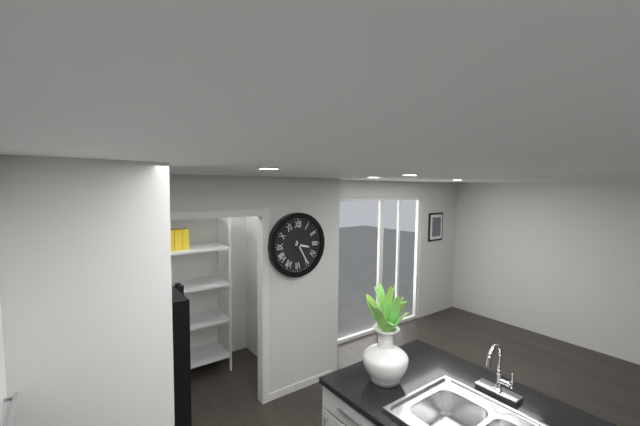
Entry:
**3:25**
